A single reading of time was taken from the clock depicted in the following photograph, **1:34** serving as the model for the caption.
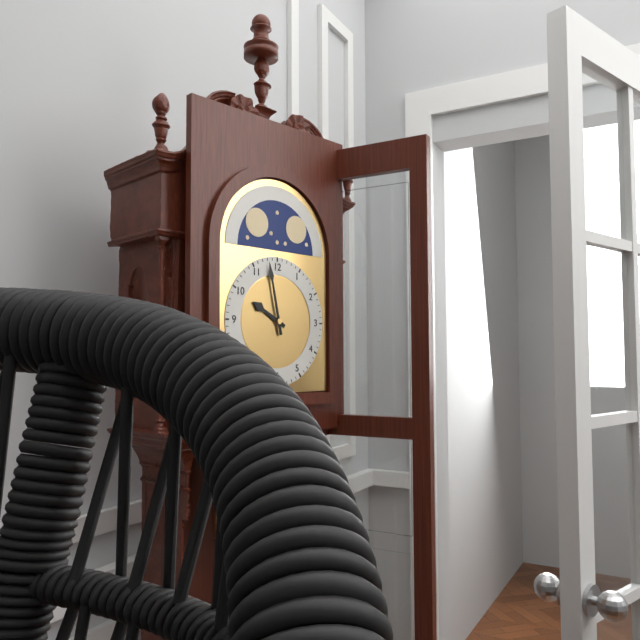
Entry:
**9:58**
